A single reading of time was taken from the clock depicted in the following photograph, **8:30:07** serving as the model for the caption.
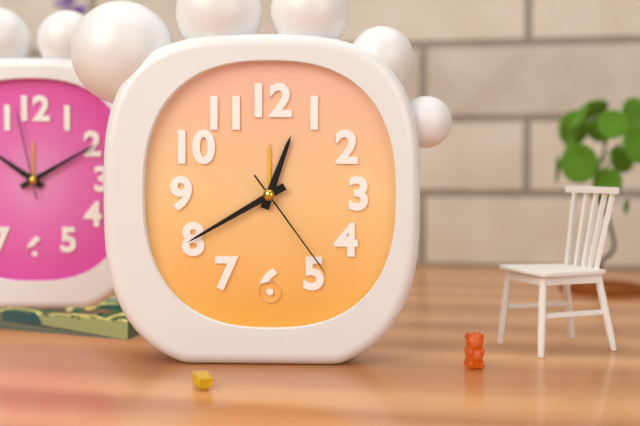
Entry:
**12:40:24**
